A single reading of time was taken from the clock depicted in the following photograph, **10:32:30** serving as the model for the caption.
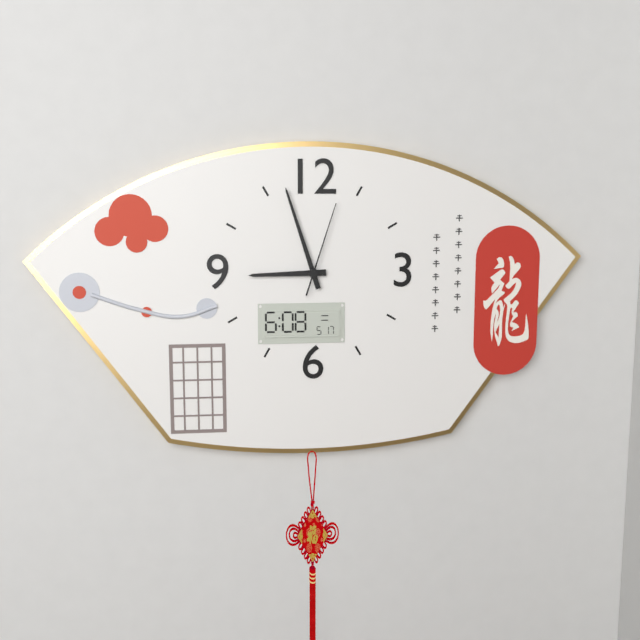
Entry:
**8:57:03**
